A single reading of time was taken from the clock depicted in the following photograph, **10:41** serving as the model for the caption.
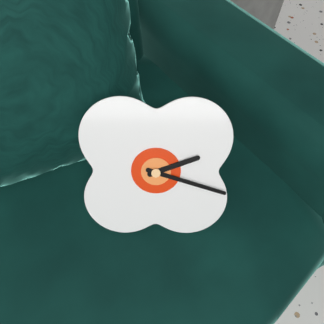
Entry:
**2:18**
